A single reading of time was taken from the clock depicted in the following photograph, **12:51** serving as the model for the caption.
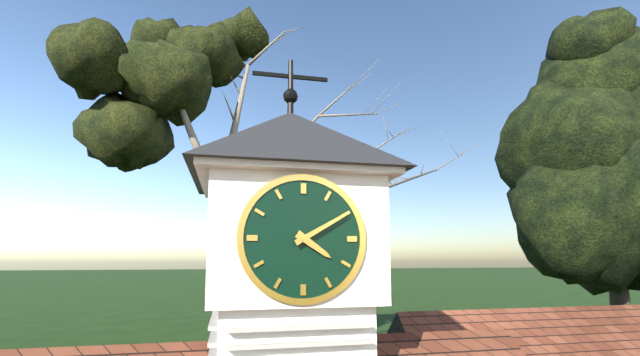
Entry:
**4:10**
